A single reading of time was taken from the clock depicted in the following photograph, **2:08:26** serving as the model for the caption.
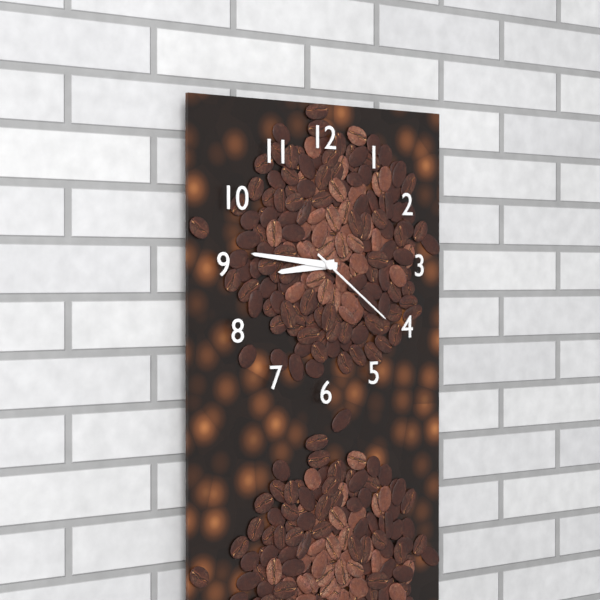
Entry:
**8:46:21**
